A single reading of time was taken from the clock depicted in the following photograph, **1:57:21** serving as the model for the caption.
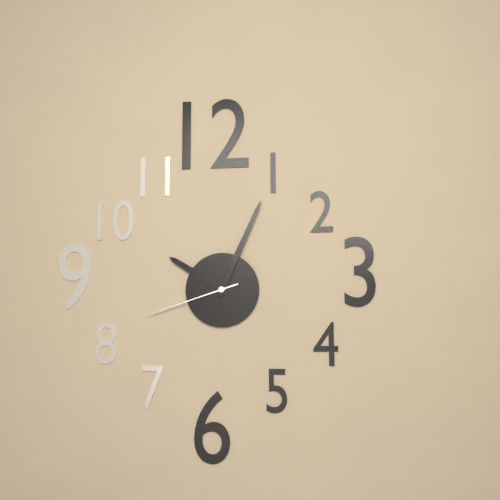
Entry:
**10:04:42**
